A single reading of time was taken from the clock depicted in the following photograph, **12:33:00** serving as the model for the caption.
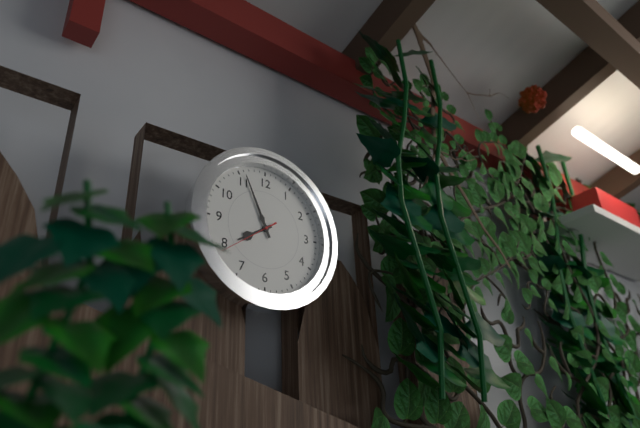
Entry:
**7:56:39**
